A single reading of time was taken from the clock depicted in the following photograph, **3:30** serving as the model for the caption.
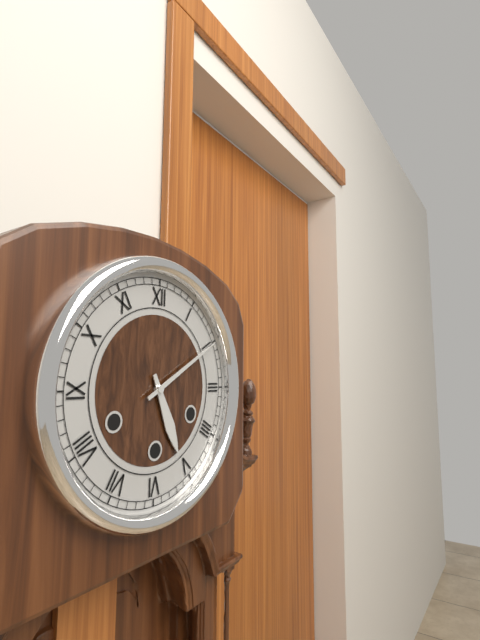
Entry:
**5:10**
